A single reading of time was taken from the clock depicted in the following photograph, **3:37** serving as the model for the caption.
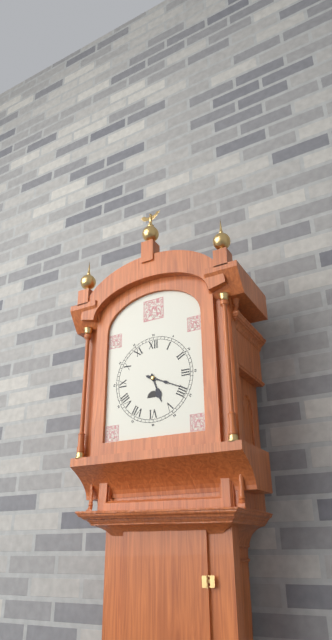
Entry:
**5:19**
